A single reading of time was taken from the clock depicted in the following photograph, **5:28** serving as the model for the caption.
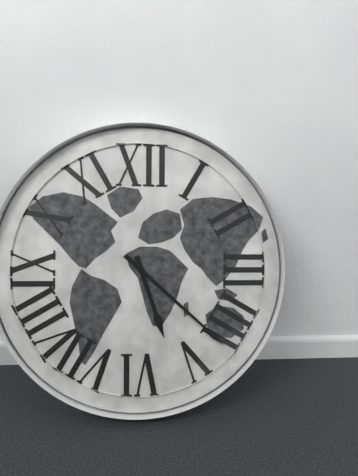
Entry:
**5:22**
